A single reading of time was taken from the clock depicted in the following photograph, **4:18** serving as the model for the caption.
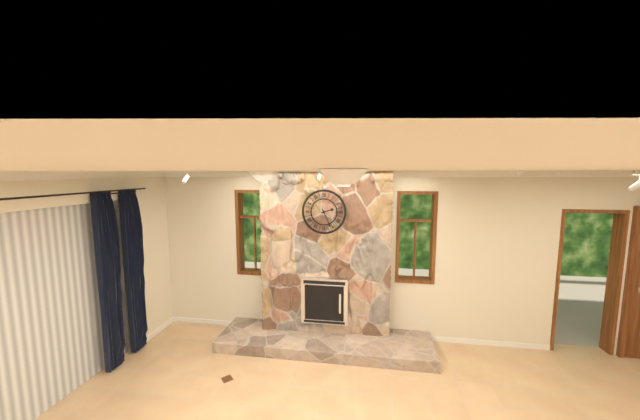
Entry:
**2:26**
